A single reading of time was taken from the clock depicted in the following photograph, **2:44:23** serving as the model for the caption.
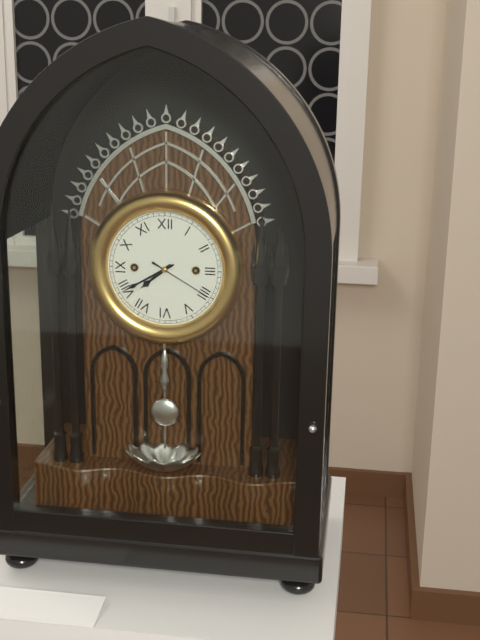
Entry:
**7:40:20**
